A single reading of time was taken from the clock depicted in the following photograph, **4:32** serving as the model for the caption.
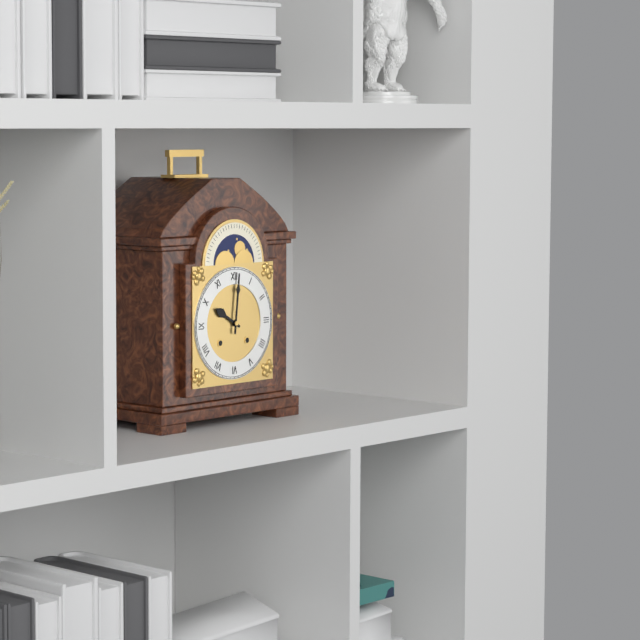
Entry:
**10:01**
